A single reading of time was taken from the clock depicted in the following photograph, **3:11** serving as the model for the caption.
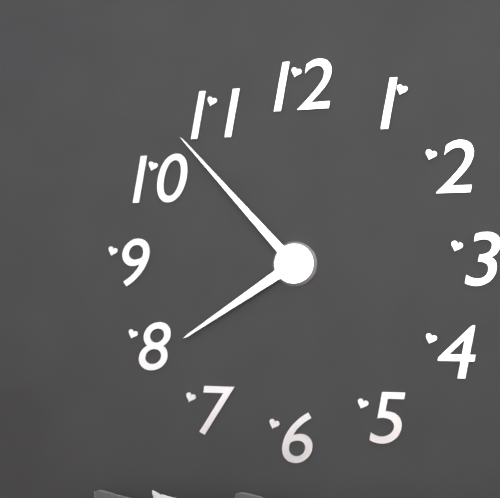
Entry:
**7:53**
